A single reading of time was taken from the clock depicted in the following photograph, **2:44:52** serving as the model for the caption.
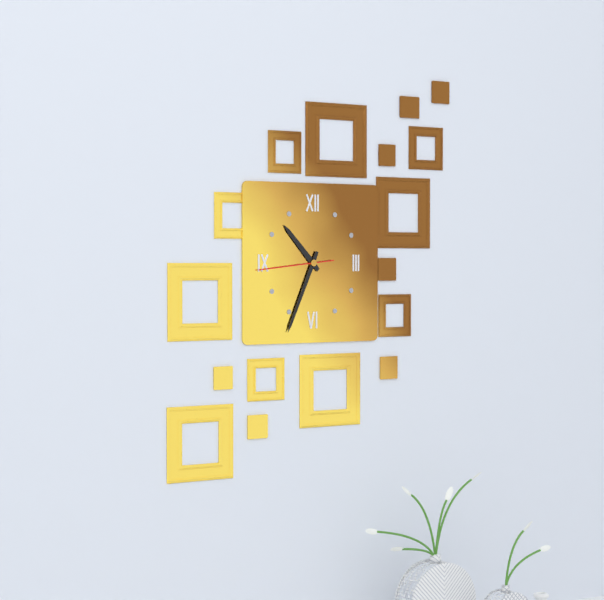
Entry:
**10:34:44**
